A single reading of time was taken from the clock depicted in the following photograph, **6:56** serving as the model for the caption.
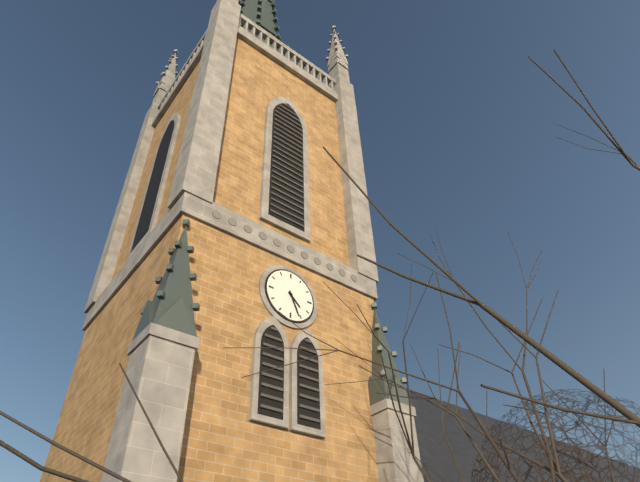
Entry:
**4:26**
